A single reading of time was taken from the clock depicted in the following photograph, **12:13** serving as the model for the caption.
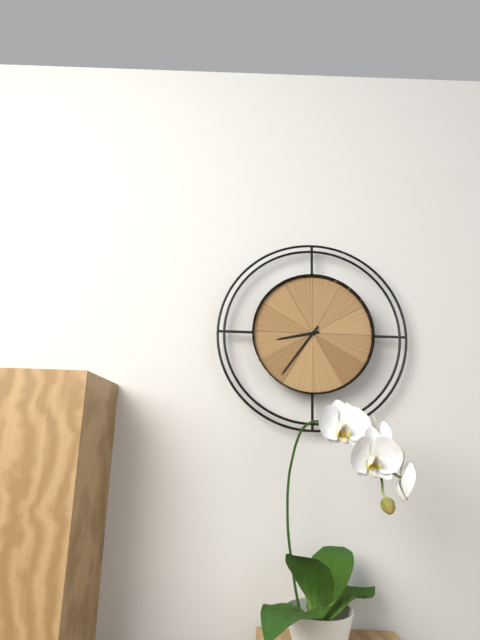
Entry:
**8:36**
